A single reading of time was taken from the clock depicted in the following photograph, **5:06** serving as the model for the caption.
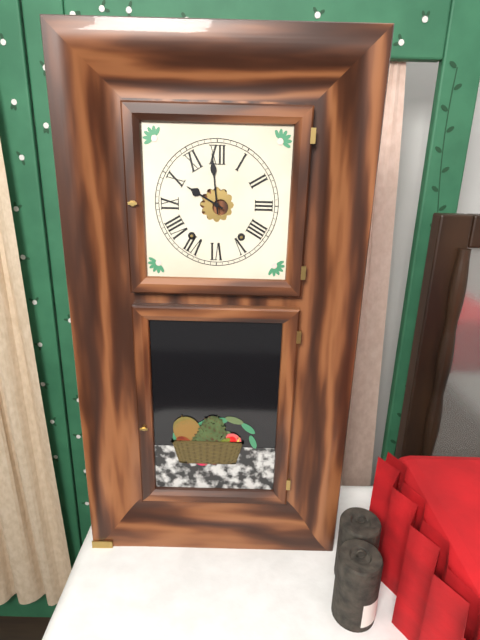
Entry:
**9:59**
